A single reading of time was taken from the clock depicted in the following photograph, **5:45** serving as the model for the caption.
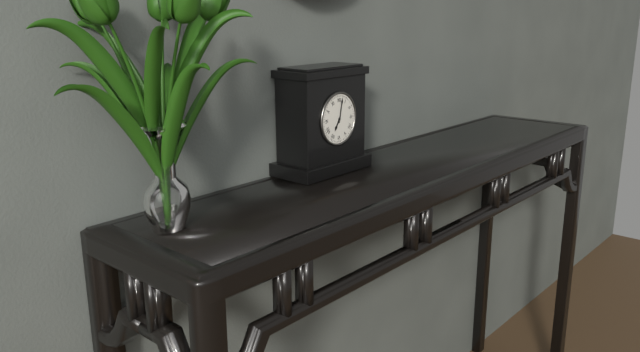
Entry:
**7:02**
